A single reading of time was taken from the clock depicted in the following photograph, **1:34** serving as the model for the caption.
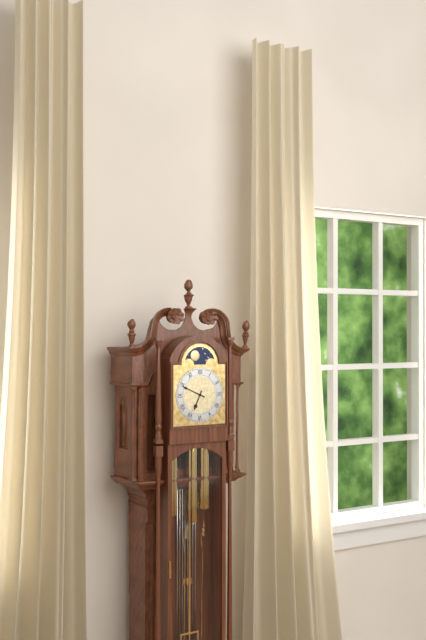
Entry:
**6:49**
